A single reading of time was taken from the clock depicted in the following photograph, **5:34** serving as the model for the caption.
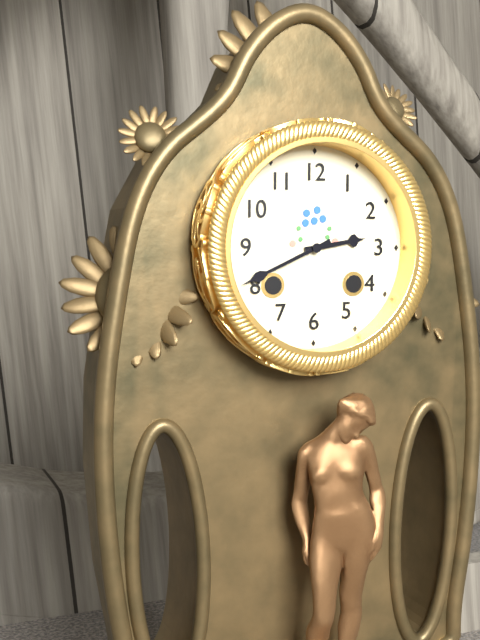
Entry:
**2:41**
